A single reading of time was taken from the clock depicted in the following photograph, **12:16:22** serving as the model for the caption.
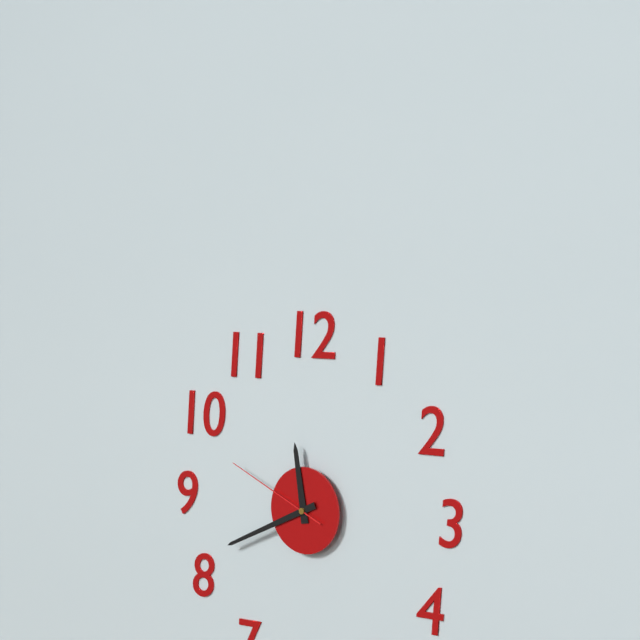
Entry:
**11:41:49**
